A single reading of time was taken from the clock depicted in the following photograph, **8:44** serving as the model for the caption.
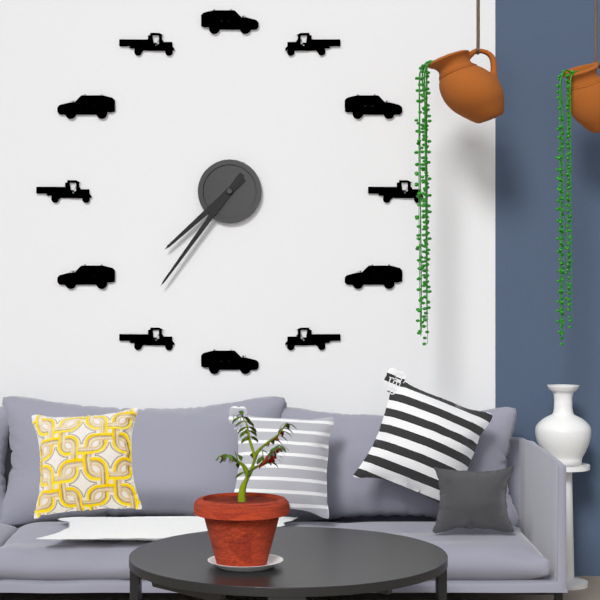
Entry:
**7:36**
